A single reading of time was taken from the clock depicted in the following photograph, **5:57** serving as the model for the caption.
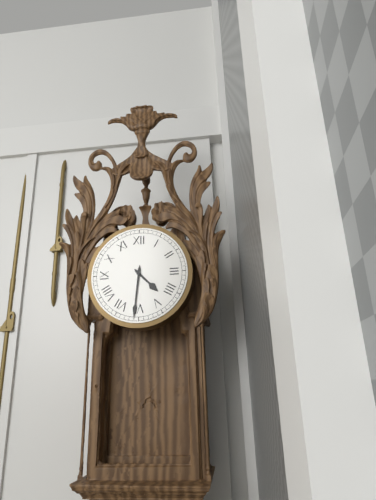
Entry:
**4:31**
